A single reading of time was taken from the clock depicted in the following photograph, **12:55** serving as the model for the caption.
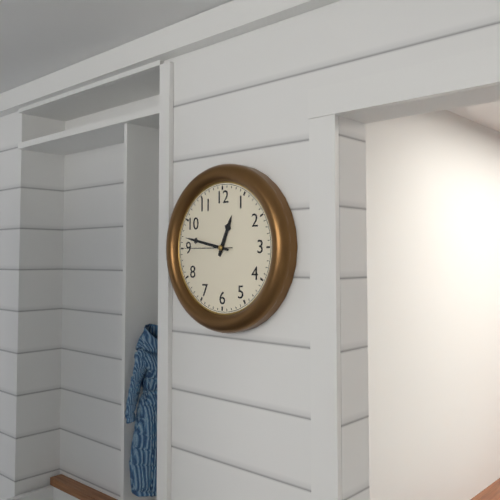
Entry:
**12:47**
